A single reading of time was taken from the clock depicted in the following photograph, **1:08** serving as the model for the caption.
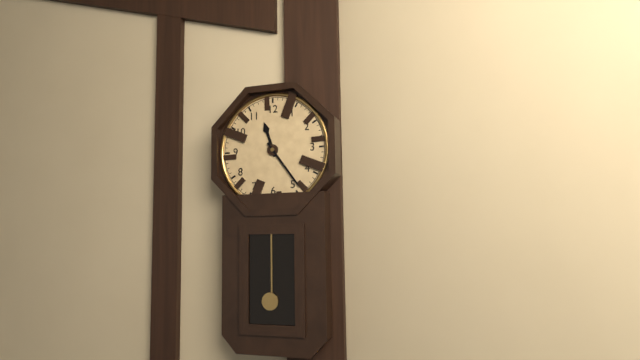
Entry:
**11:24**
